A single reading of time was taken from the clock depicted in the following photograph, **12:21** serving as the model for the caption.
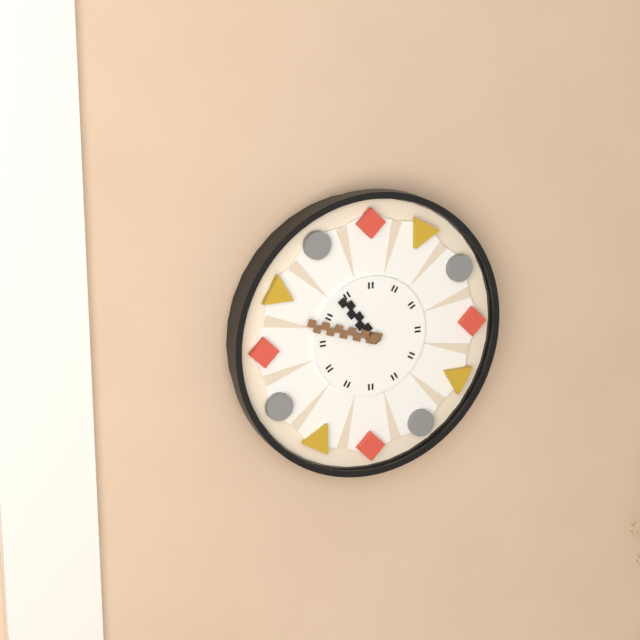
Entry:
**10:48**
